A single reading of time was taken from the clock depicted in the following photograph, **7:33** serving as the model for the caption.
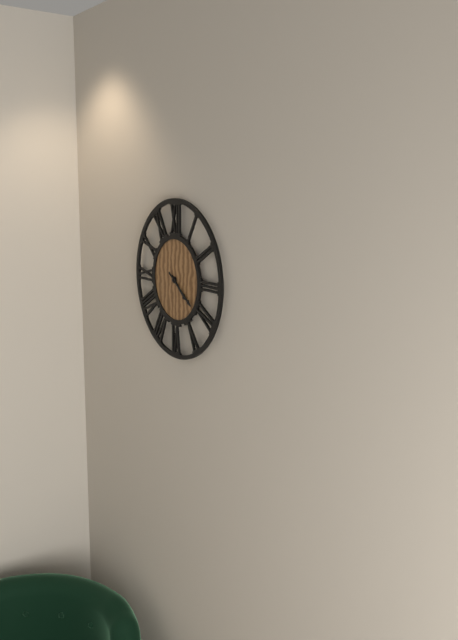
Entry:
**4:21**
